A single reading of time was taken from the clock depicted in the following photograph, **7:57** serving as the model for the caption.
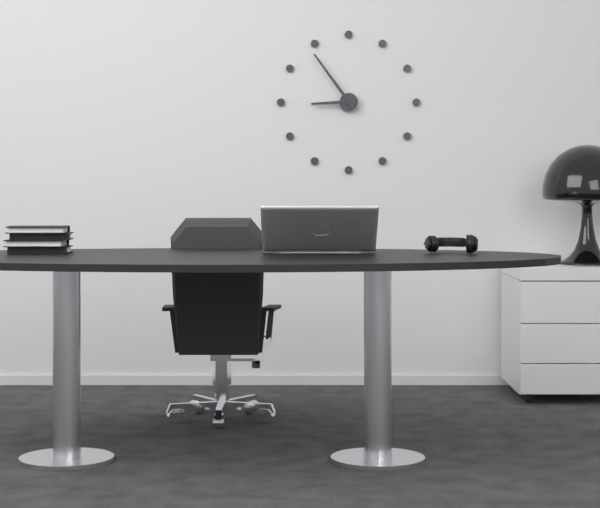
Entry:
**8:54**
